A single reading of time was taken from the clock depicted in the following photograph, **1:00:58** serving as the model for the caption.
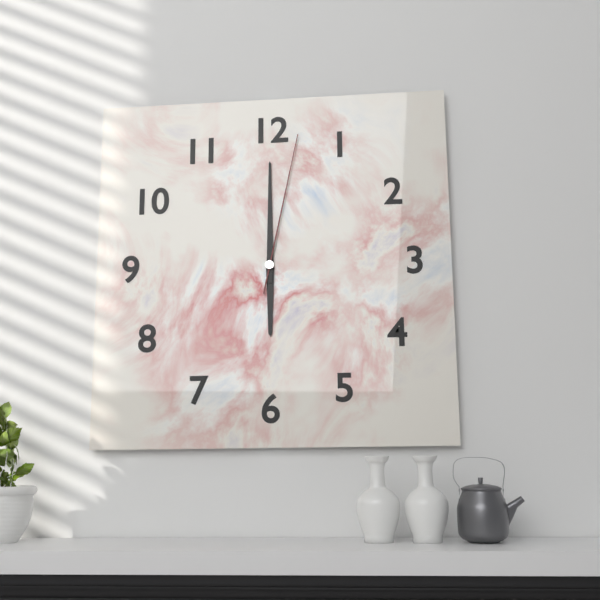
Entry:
**6:00:02**
